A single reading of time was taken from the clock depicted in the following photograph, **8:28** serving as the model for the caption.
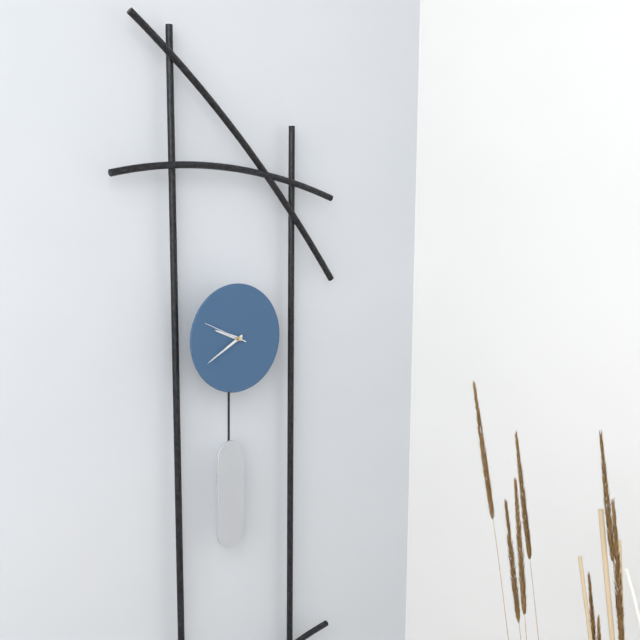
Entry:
**9:40**
